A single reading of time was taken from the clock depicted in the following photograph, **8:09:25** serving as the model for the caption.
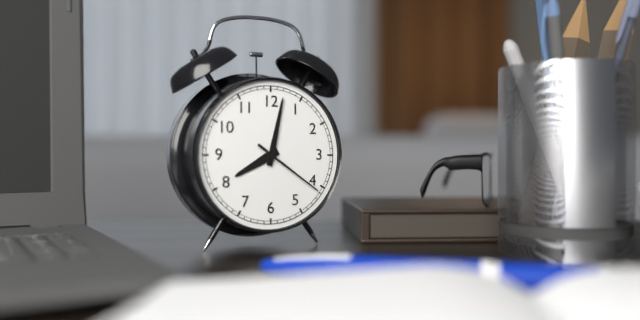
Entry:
**8:02:21**
